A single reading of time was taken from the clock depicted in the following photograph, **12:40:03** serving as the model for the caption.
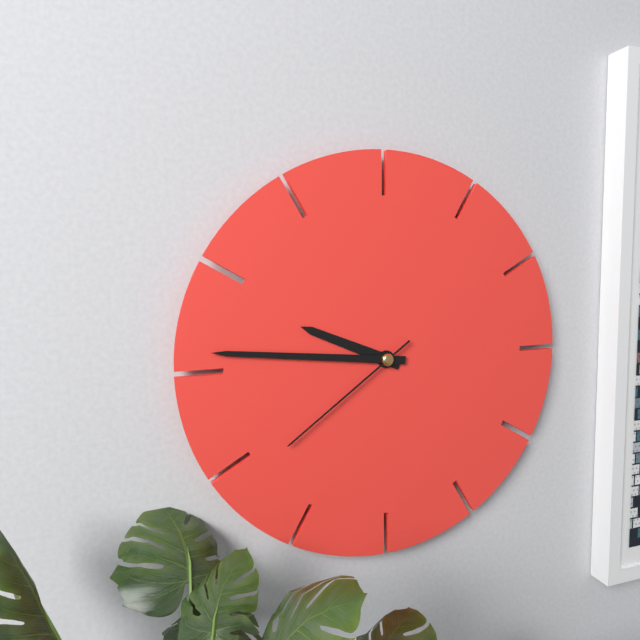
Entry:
**9:46:39**
